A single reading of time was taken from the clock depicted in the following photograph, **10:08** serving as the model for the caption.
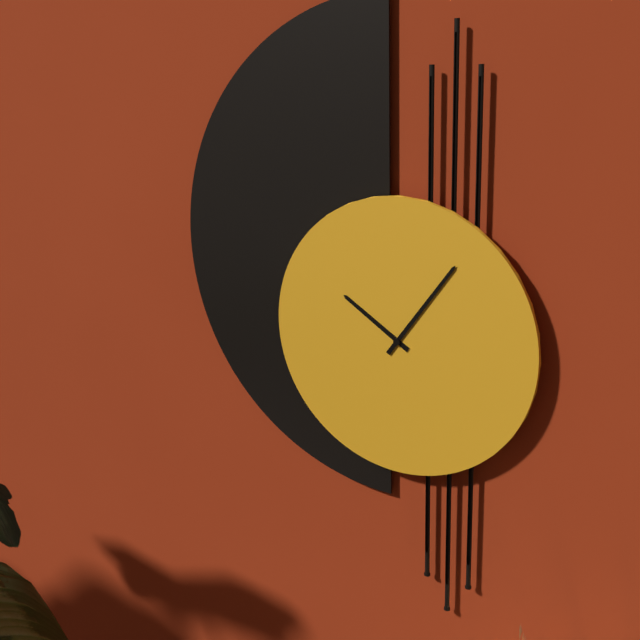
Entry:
**10:06**
